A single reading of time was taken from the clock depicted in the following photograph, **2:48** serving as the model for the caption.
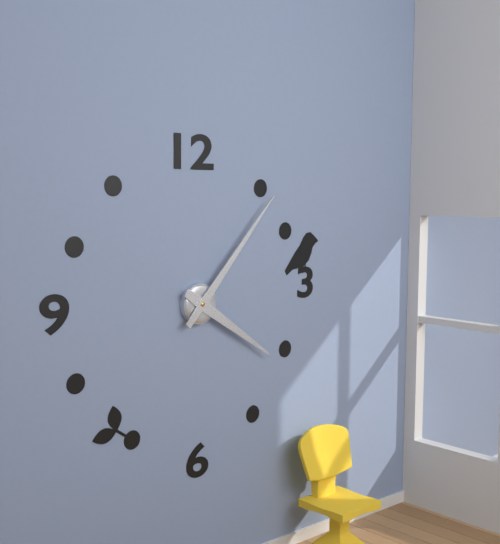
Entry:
**4:07**
